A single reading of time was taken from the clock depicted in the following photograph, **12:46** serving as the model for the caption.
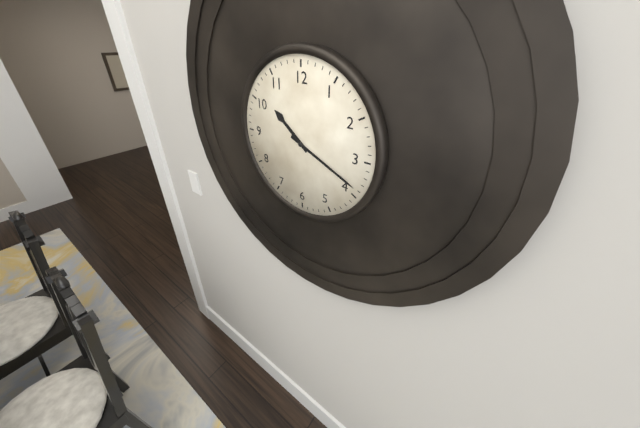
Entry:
**10:19**
